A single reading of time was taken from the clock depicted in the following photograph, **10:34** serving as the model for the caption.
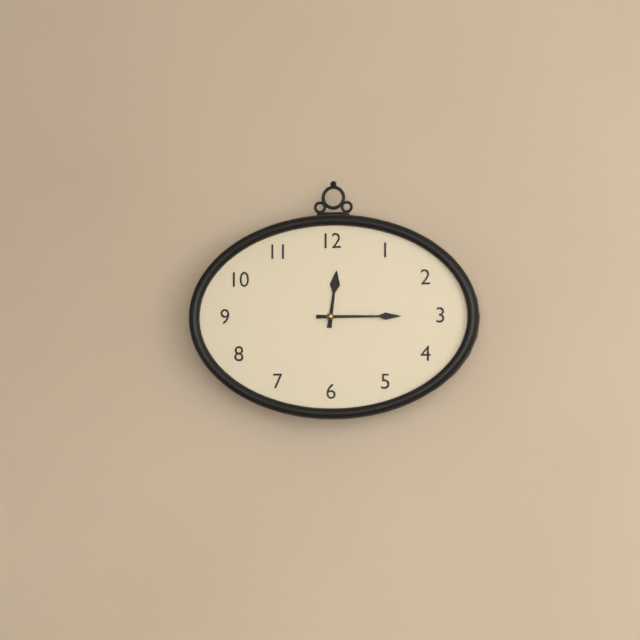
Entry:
**12:15**
